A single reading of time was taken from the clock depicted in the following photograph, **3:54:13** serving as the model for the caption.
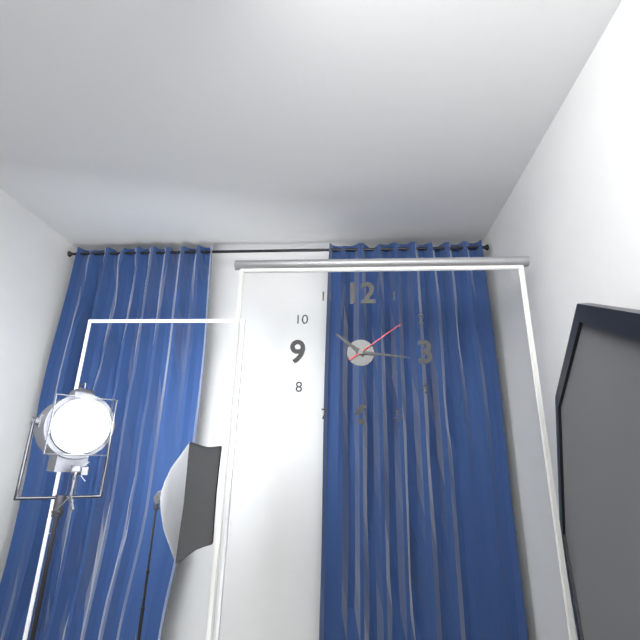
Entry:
**10:16:09**
